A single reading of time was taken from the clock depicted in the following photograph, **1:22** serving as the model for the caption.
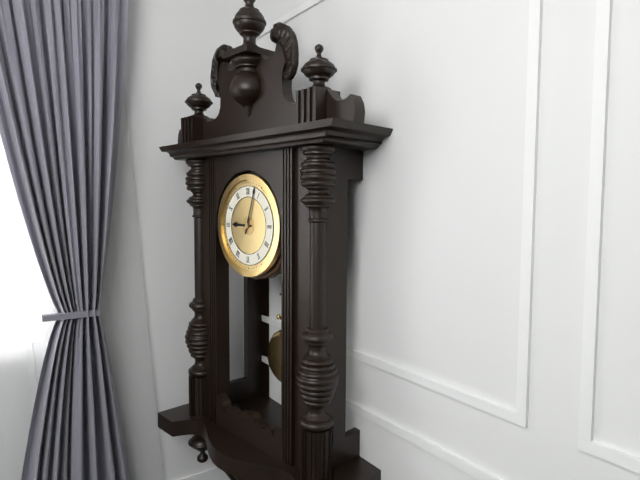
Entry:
**9:03**
